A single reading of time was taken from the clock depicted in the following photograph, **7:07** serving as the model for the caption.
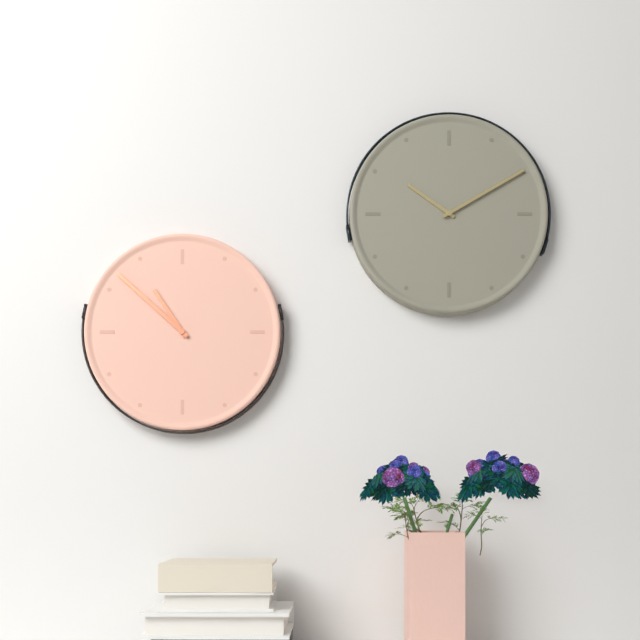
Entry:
**10:52**
